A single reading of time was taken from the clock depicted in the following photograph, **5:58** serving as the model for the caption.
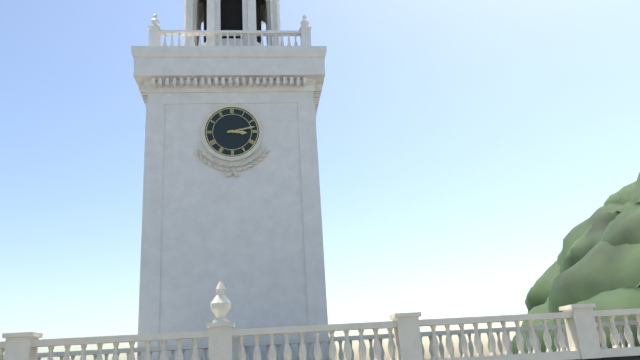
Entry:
**3:13**
